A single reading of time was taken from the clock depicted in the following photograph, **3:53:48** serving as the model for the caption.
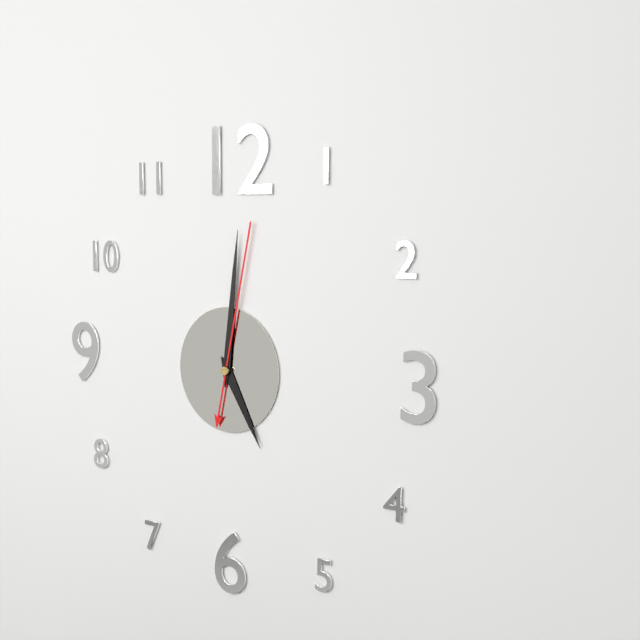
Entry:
**5:01:02**
